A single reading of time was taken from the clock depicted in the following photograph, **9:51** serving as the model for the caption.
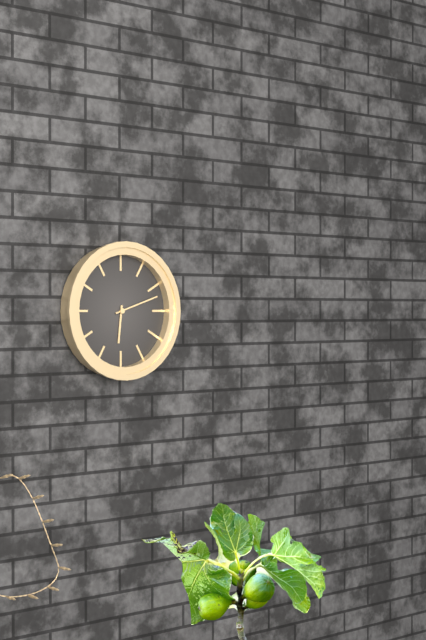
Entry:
**6:12**
